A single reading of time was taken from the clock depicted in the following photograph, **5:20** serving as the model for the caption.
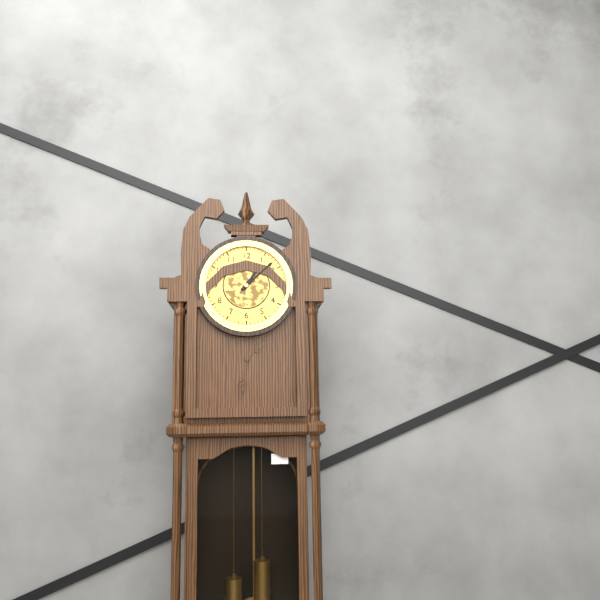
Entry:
**1:08**
